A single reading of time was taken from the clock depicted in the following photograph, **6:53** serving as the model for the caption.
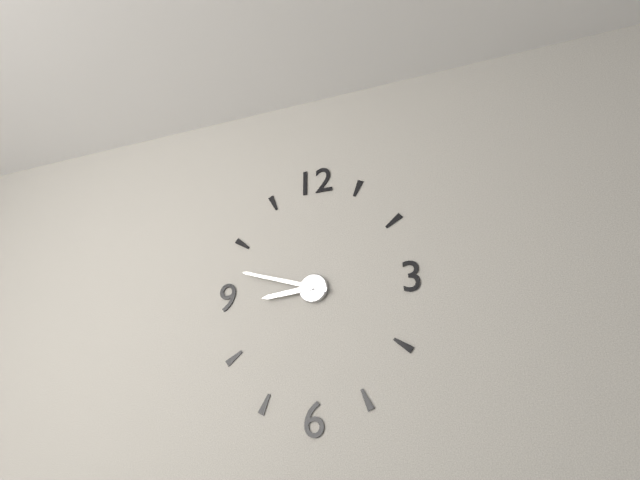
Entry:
**8:48**
